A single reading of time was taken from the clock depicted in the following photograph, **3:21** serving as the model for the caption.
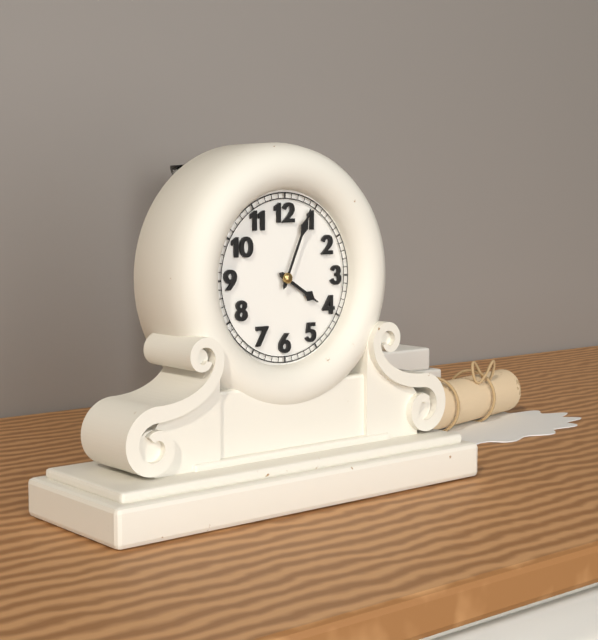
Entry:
**4:04**
